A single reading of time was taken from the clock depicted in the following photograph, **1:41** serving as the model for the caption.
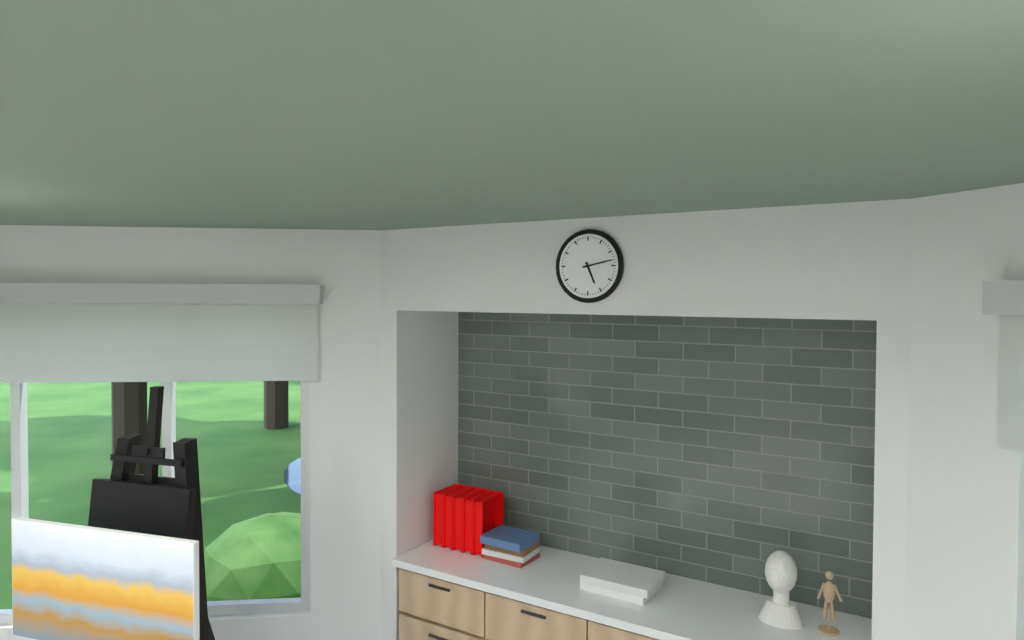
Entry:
**5:13**
